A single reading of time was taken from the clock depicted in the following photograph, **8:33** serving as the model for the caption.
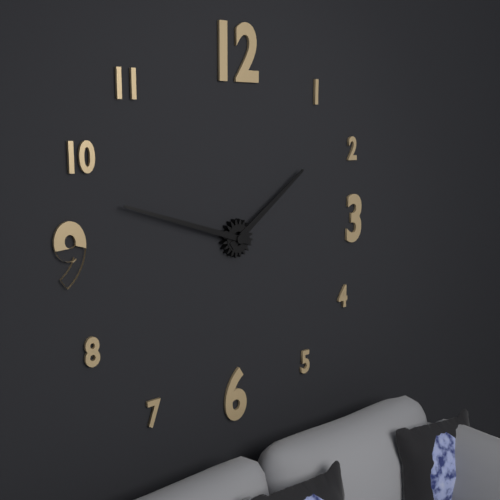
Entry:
**1:48**
